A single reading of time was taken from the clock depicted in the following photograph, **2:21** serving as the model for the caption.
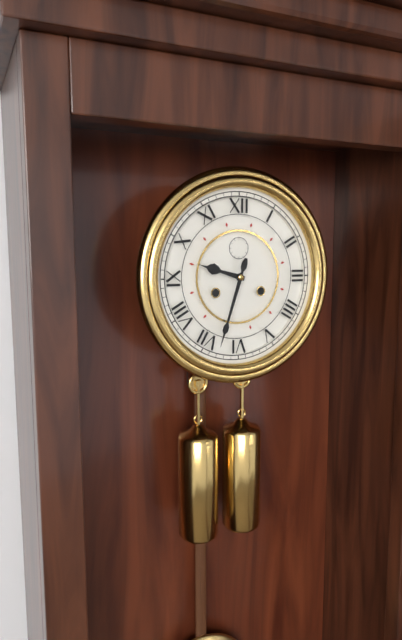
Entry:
**9:33**
